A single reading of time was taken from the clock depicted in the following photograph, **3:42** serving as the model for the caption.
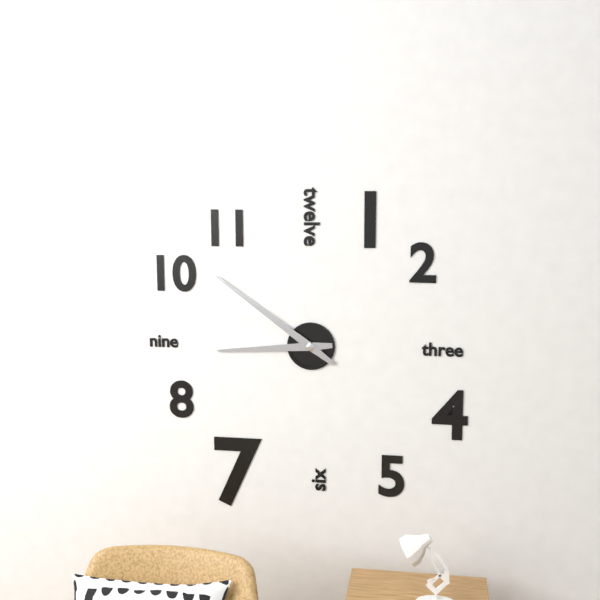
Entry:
**8:51**
